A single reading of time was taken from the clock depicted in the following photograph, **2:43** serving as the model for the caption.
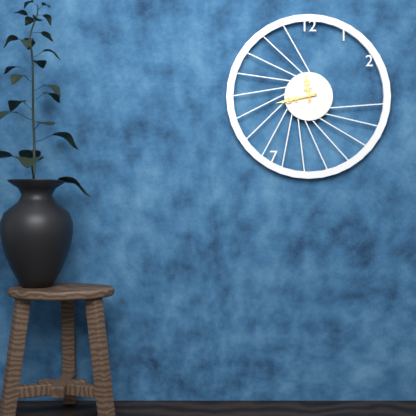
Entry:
**11:43**
